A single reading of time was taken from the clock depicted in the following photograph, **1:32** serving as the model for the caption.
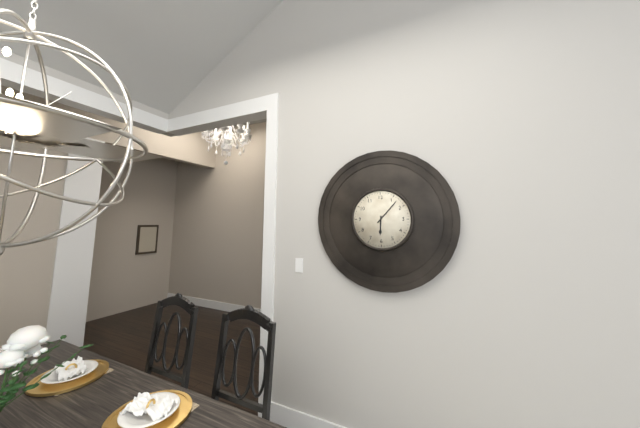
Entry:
**6:07**
